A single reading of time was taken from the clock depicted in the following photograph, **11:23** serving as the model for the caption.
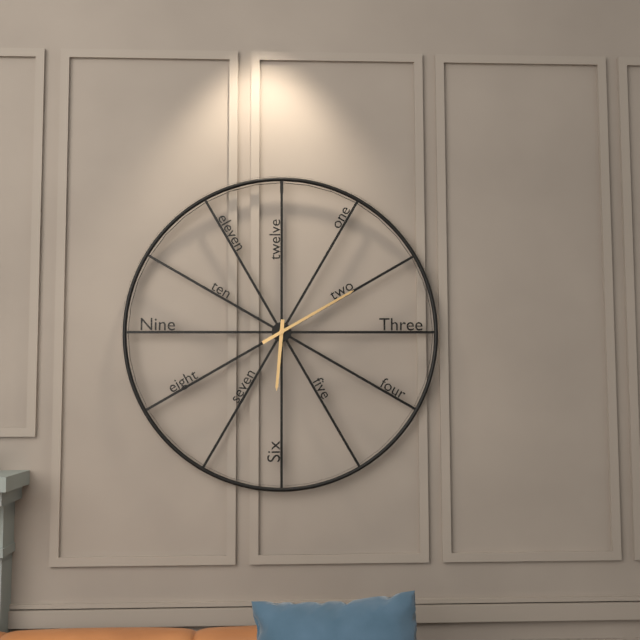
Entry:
**6:10**
